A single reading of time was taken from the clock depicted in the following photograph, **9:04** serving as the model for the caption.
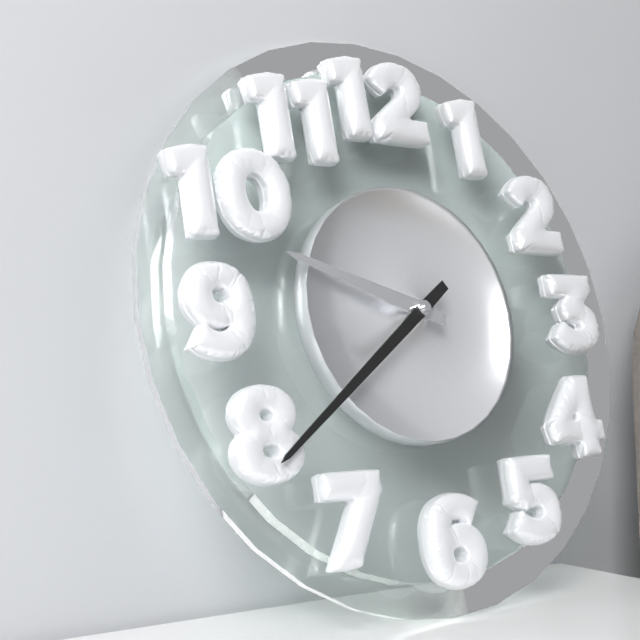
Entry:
**9:39**
